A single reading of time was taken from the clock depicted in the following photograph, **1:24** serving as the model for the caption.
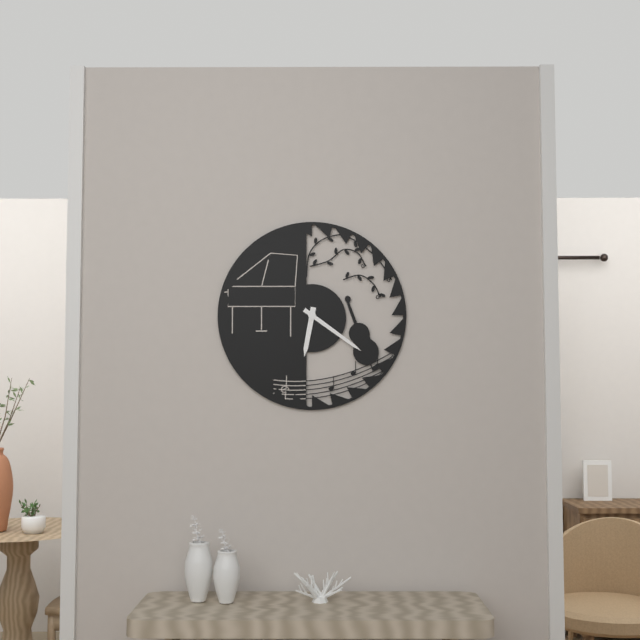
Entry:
**6:21**
